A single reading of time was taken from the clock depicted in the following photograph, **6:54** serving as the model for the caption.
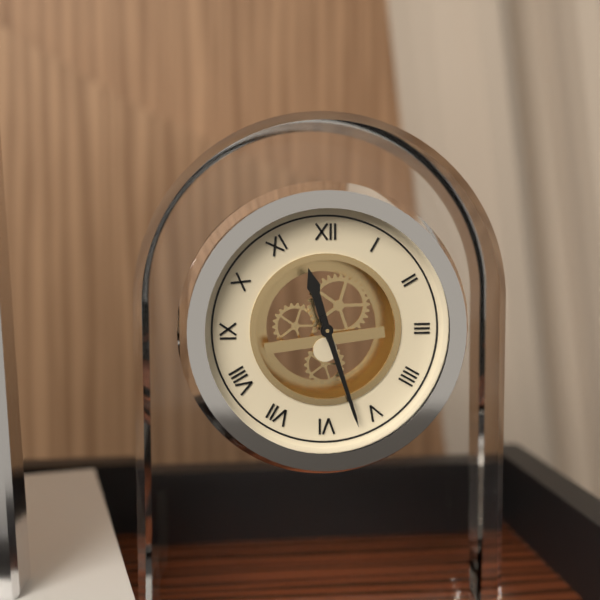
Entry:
**11:27**
